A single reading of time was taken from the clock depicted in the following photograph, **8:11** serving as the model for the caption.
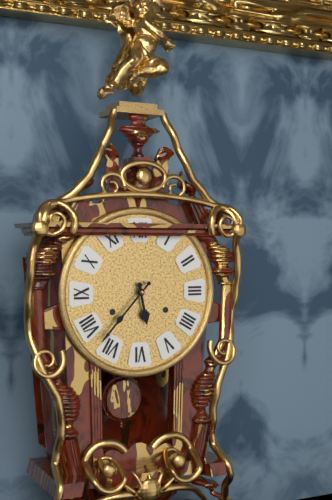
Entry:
**5:37**
